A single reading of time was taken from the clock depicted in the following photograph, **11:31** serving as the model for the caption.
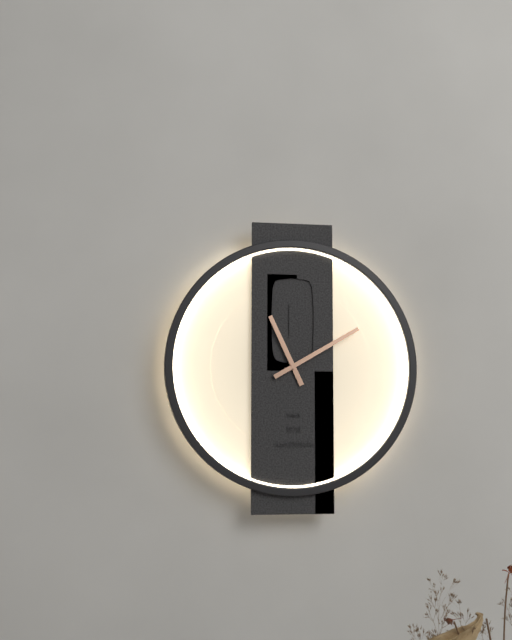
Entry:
**11:10**
